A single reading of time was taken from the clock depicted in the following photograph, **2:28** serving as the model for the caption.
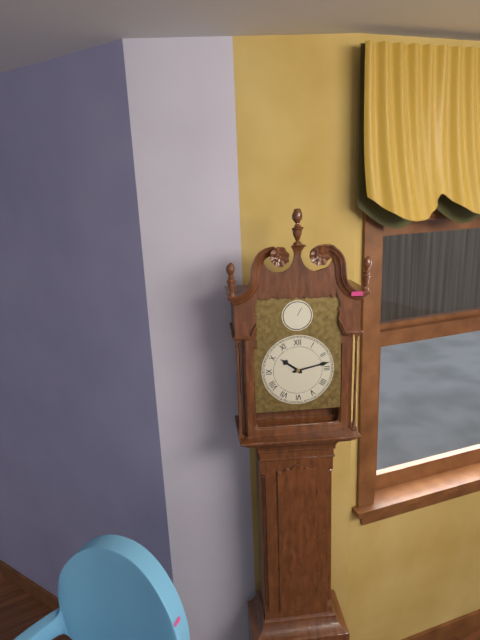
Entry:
**10:13**
